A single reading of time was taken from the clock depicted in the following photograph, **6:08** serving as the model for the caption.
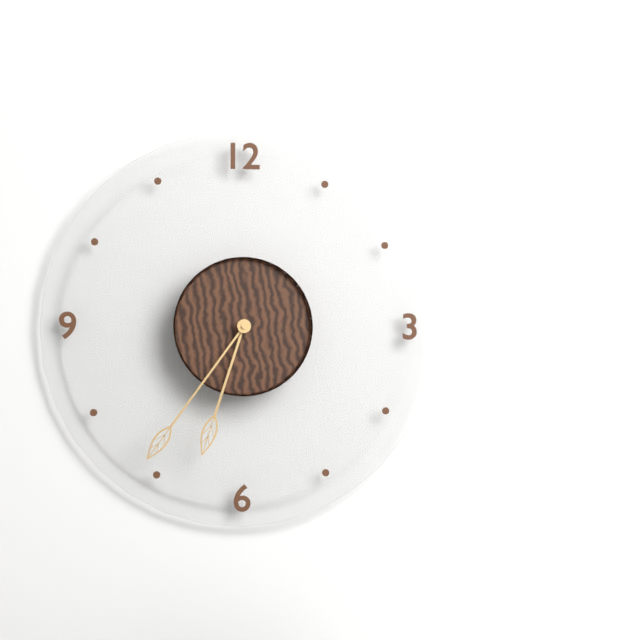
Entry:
**6:36**
